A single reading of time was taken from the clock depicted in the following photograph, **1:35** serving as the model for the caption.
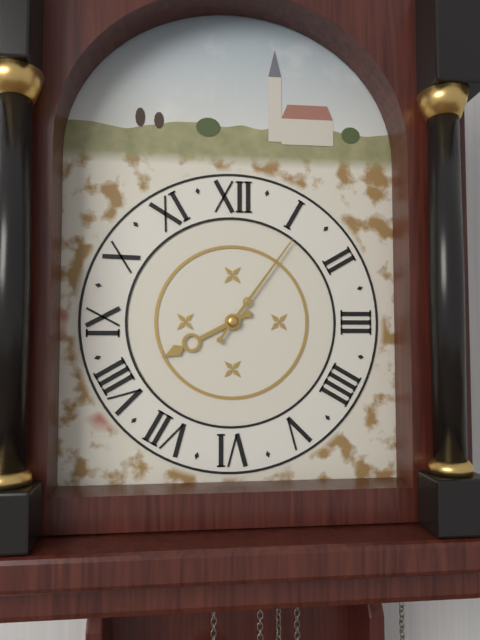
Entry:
**8:06**
